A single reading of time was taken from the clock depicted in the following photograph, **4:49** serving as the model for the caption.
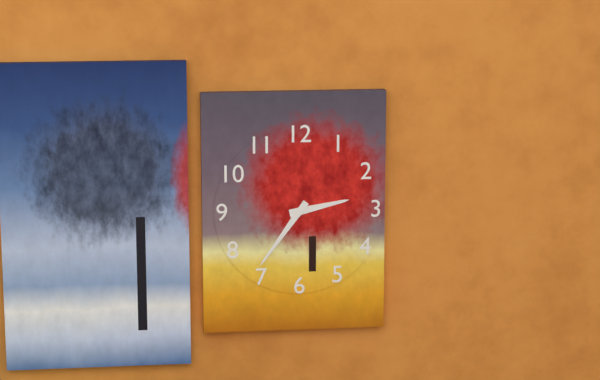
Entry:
**2:36**
